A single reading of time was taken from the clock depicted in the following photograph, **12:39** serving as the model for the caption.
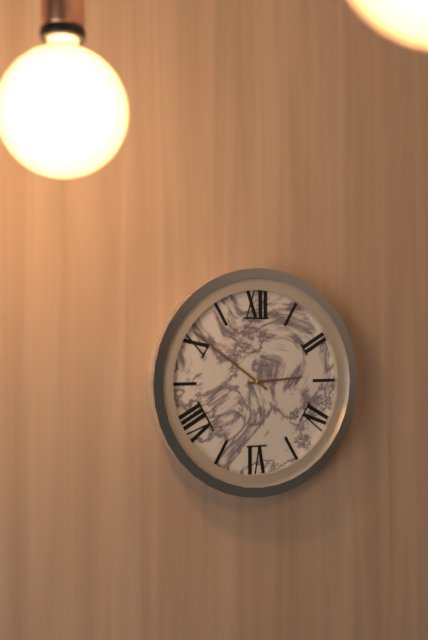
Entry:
**2:51**
